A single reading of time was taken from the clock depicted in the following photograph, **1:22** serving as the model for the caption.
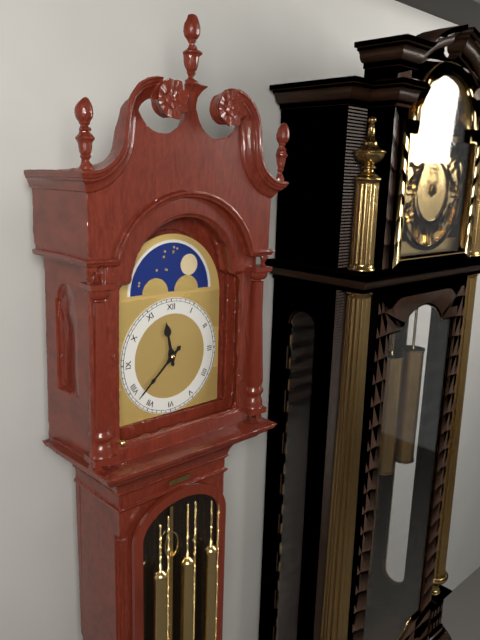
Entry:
**11:38**
